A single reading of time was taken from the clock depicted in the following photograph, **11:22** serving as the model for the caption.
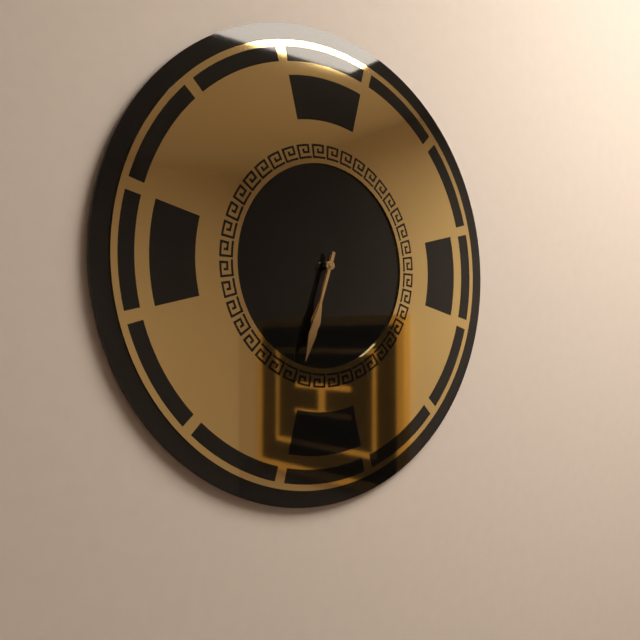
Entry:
**6:33**
